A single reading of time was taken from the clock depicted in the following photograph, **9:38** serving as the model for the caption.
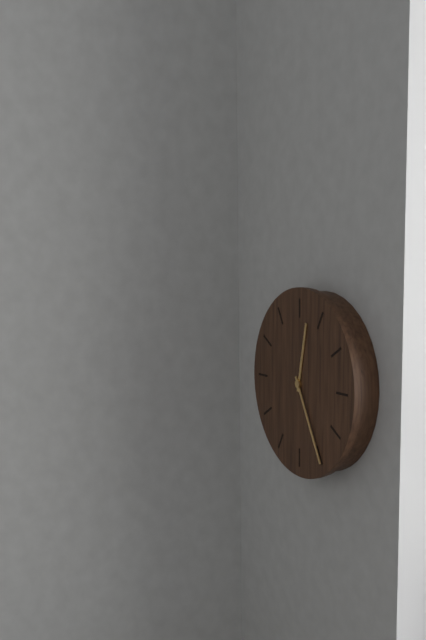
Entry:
**12:25**
